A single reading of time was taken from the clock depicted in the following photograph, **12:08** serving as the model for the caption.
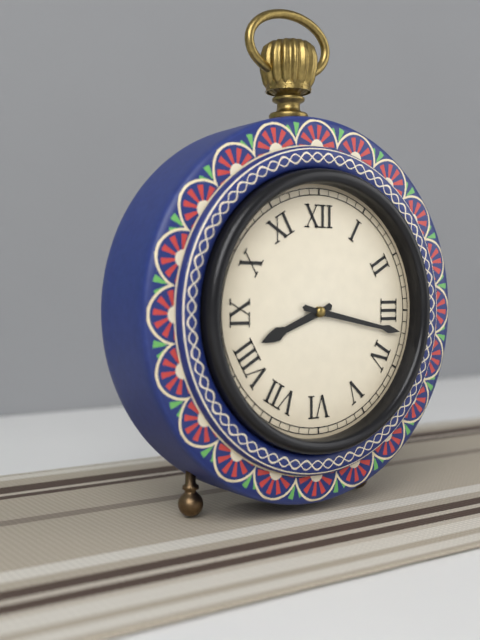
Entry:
**8:17**
